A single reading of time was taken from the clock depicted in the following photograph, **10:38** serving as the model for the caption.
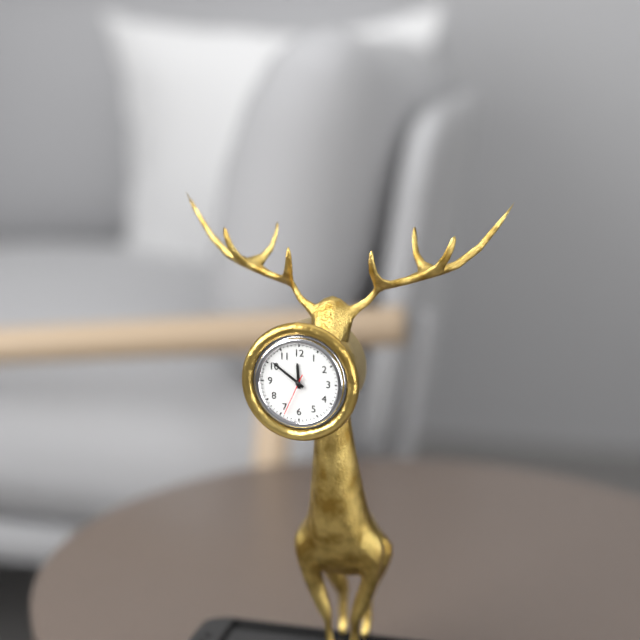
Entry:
**11:51**
